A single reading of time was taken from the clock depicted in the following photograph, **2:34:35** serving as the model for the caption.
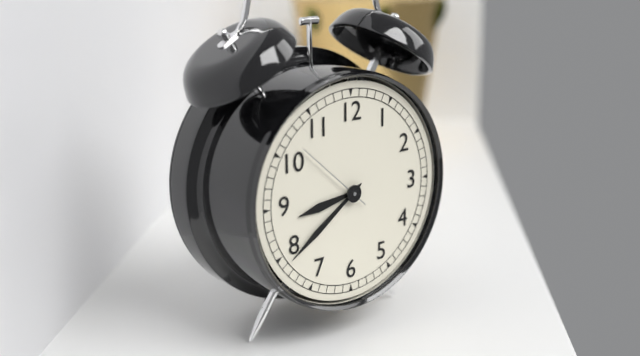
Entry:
**8:39:52**
